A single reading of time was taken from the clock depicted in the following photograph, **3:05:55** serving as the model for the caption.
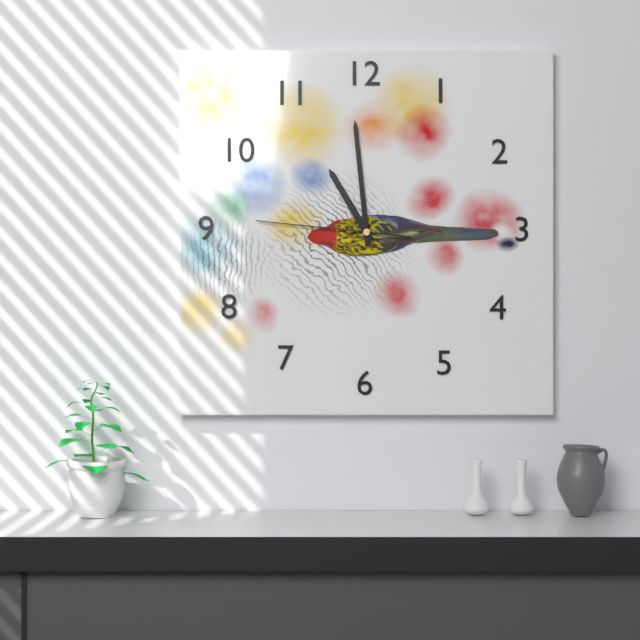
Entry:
**10:59:46**
